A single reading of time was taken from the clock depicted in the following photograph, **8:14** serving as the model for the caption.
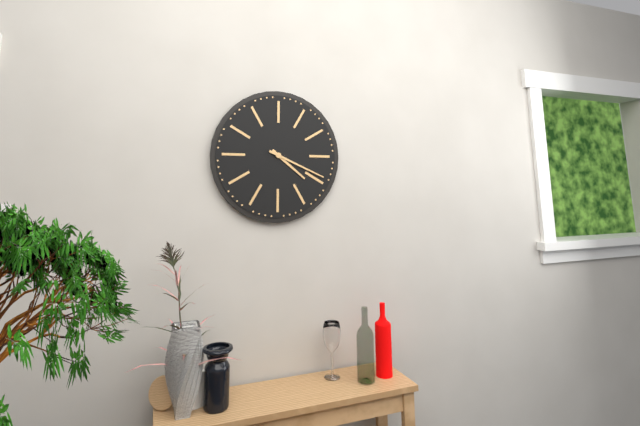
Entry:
**4:19**
